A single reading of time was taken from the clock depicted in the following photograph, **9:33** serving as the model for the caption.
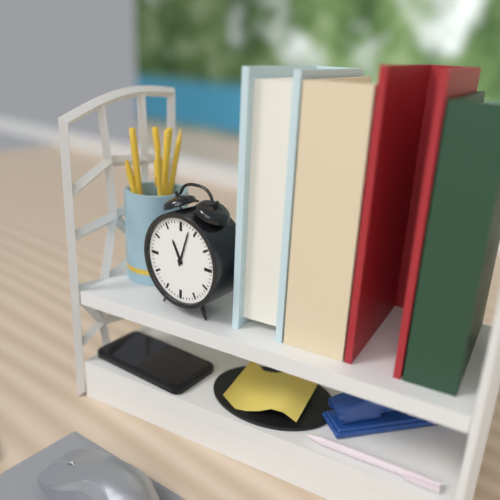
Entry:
**11:03**
